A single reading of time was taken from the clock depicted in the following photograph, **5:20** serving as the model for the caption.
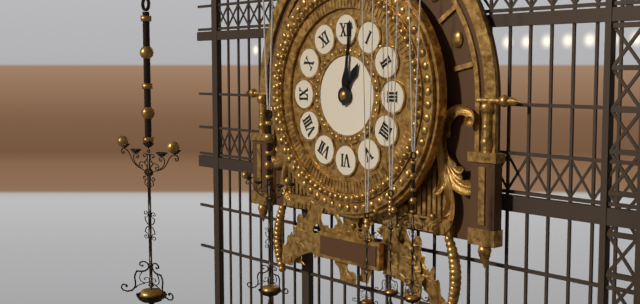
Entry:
**1:01**
